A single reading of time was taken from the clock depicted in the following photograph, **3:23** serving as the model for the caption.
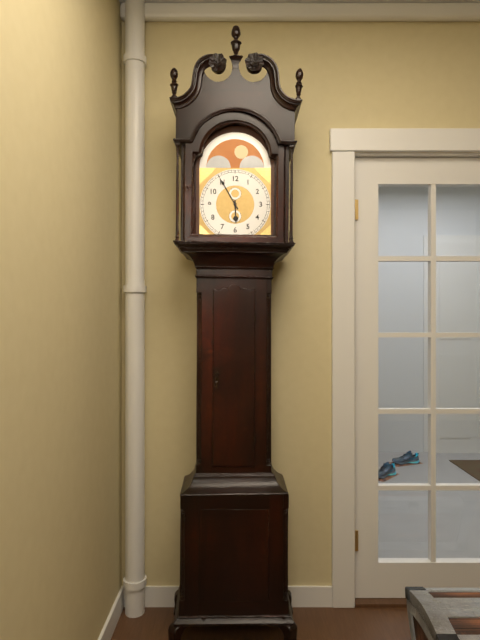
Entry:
**5:55**
